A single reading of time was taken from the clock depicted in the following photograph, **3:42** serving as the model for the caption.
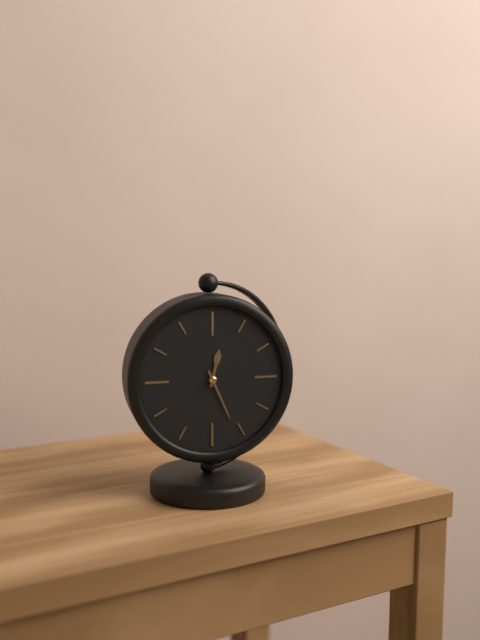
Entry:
**12:26**
